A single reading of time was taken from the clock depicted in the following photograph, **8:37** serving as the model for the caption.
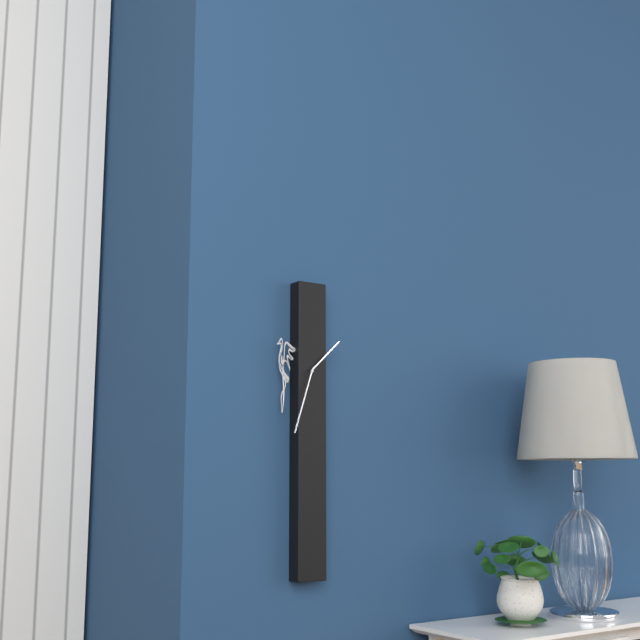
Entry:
**1:33**
